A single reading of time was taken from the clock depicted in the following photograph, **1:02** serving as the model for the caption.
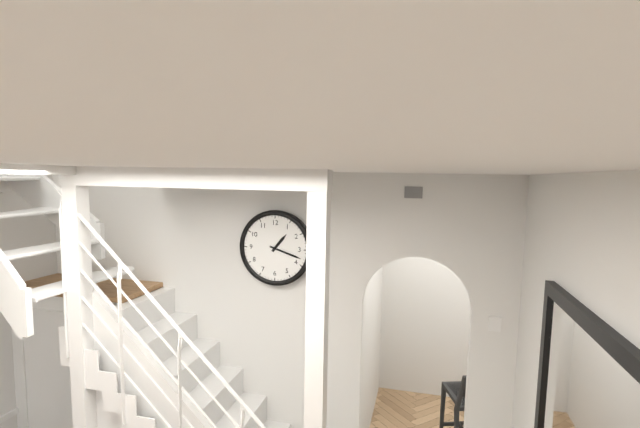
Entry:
**1:18**
